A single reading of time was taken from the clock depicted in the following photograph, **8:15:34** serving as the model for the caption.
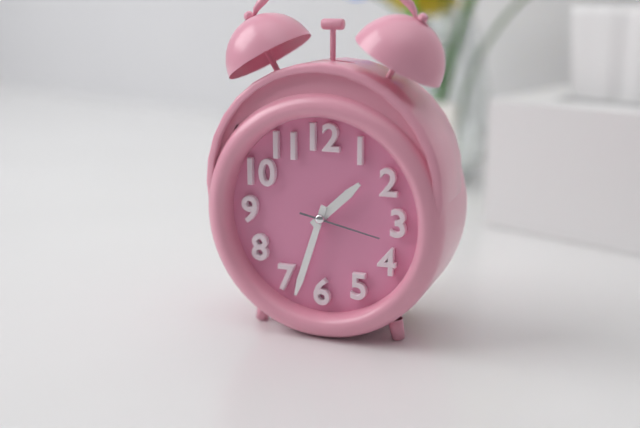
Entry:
**1:33:17**
